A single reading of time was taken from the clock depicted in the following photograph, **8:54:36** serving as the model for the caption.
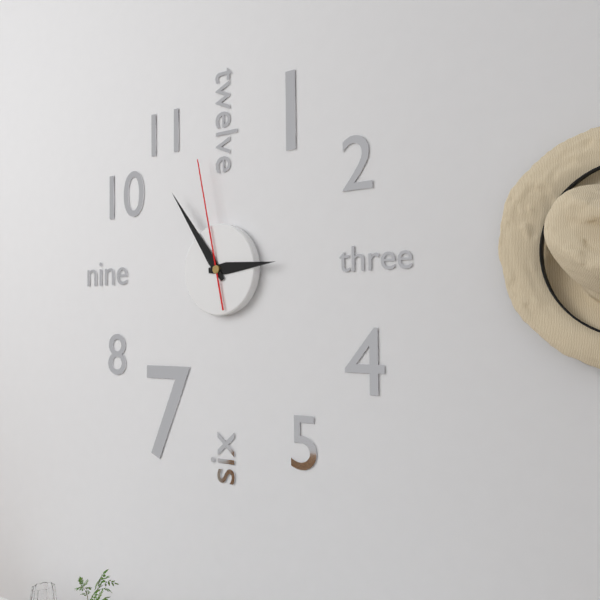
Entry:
**2:54:58**
